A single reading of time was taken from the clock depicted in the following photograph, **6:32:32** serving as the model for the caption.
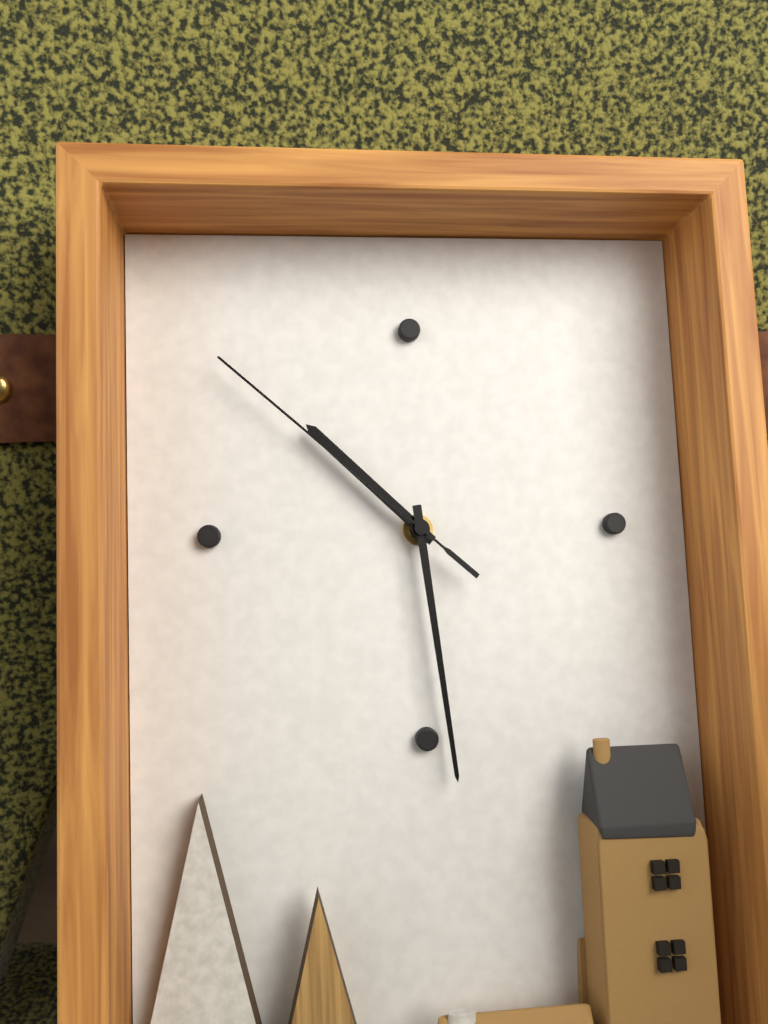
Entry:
**10:29:52**
